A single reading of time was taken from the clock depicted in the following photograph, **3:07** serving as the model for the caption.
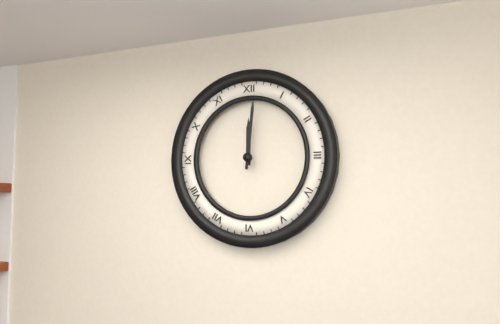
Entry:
**12:01**
